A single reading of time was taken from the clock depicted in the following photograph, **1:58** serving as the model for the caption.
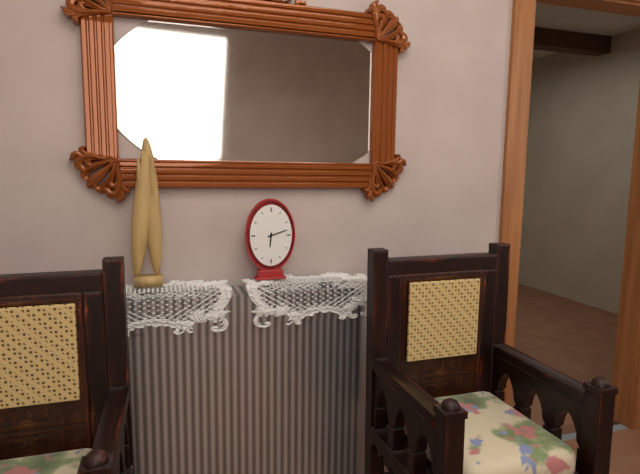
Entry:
**6:12**
